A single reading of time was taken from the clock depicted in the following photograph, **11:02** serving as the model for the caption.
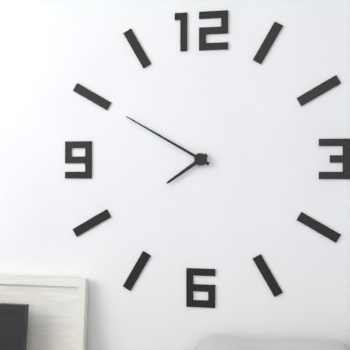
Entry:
**7:50**
